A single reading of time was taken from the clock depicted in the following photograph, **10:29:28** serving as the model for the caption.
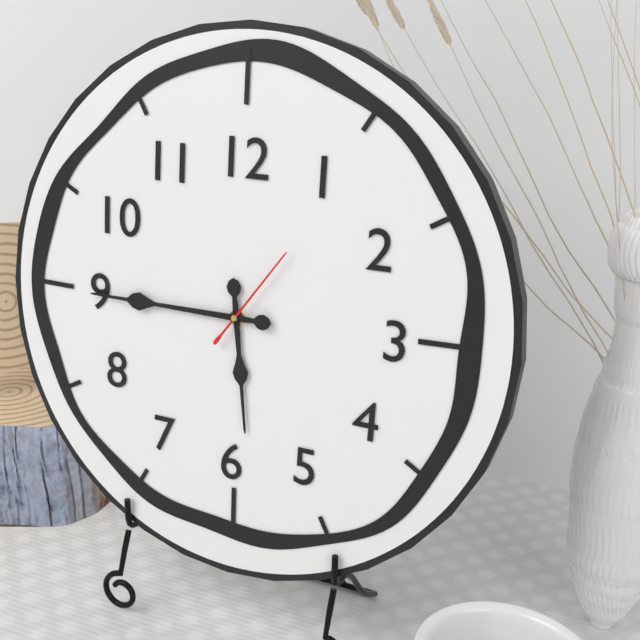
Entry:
**5:45:06**
